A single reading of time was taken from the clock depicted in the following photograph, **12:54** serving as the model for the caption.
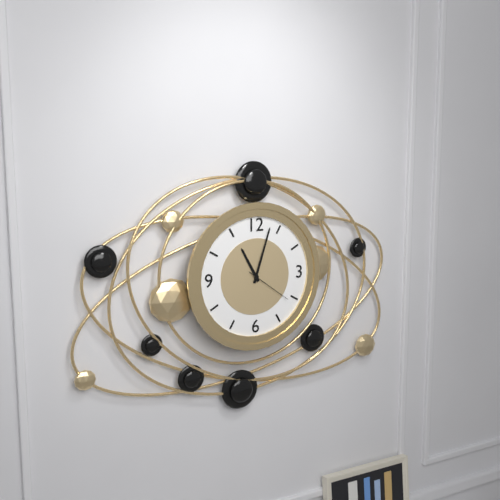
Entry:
**11:03**
